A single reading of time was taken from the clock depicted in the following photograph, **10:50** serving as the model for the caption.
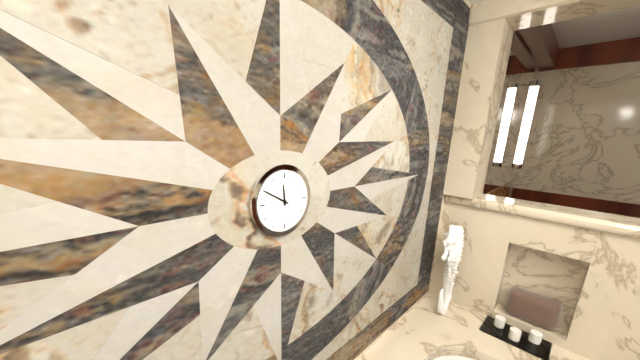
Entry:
**11:50**
